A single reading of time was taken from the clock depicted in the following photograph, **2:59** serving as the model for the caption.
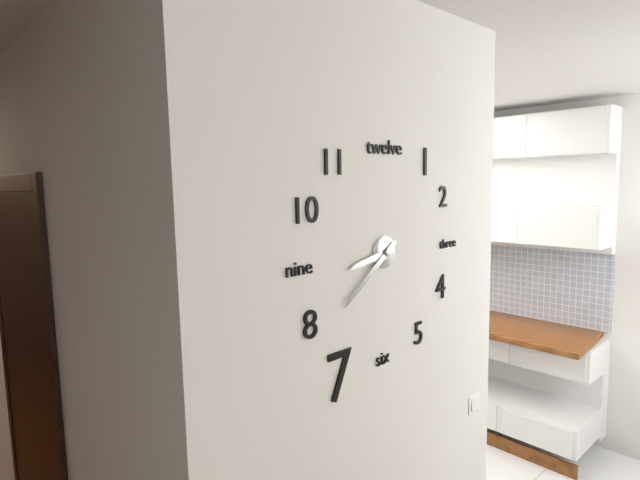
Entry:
**8:39**
